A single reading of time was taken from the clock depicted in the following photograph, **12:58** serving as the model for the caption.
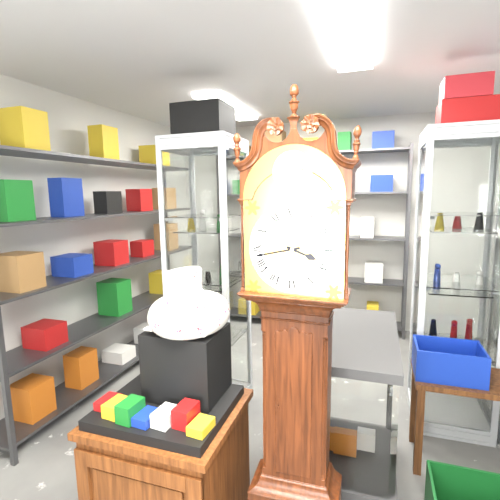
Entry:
**3:43**
